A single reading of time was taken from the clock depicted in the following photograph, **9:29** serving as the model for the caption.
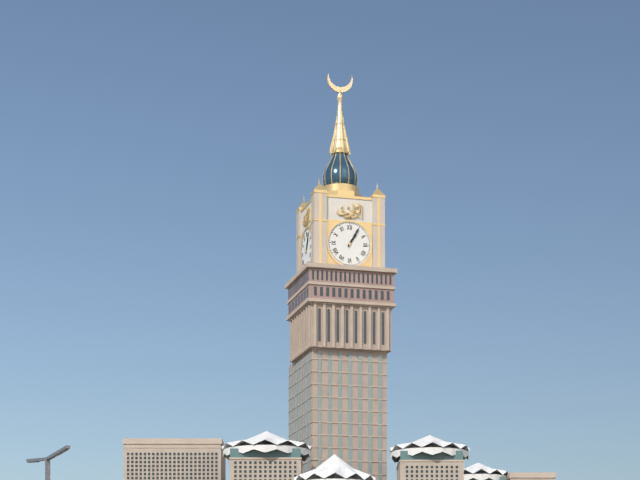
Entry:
**1:05**
